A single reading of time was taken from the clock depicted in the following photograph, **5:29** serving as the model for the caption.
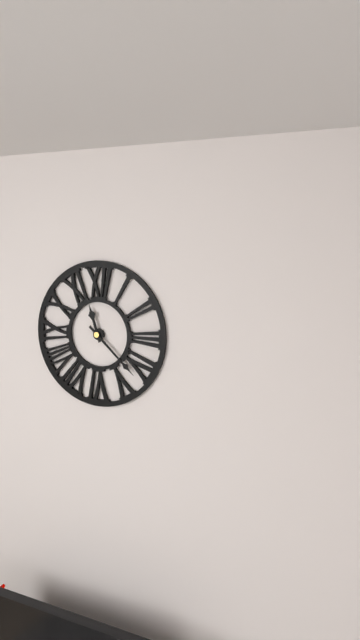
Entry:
**11:22**
